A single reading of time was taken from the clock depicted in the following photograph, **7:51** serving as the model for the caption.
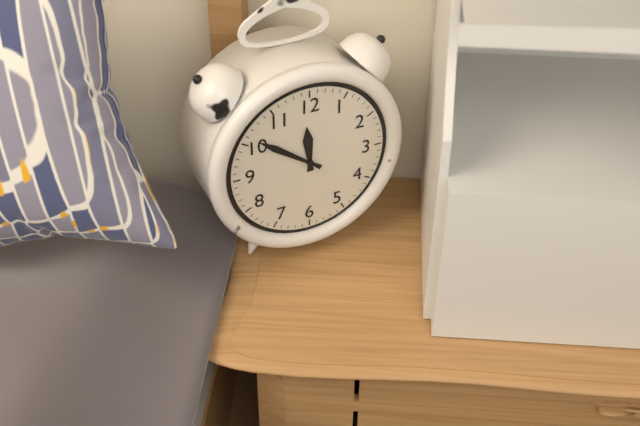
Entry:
**11:51**
